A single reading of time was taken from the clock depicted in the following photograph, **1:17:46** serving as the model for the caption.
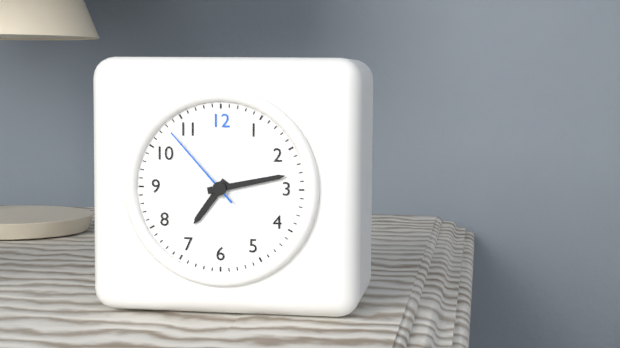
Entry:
**7:13:53**
